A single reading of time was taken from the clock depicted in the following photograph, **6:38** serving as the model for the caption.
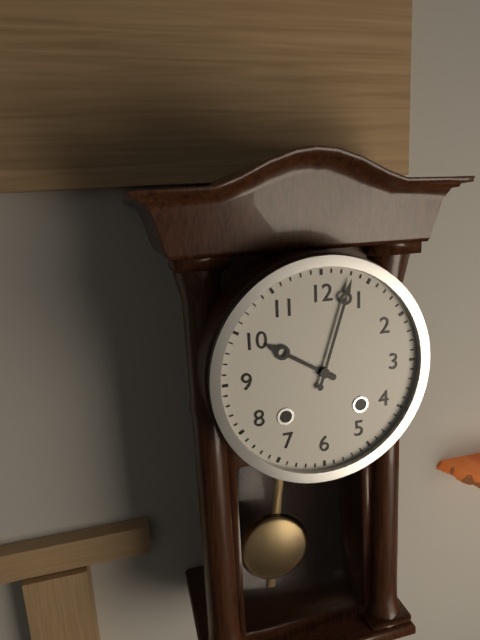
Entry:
**10:03**
